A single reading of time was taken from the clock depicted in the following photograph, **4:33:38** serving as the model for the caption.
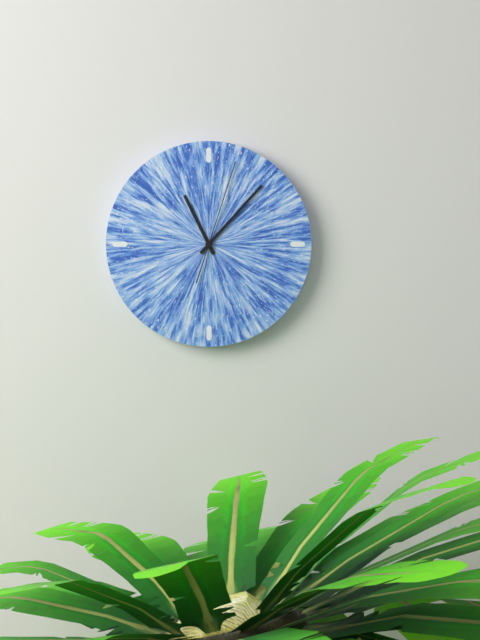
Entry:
**11:07:03**
